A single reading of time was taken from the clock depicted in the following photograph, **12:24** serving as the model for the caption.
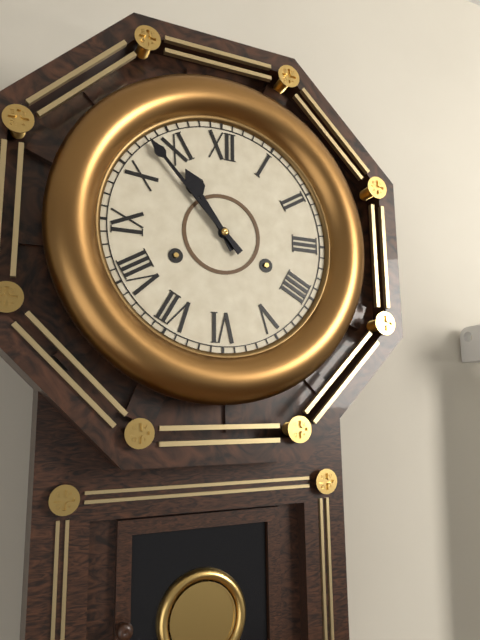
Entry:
**10:53**
